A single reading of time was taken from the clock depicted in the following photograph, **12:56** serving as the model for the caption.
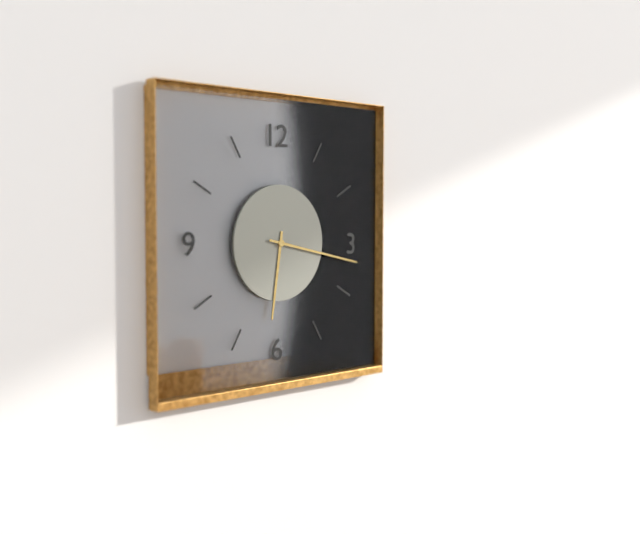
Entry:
**6:17**
